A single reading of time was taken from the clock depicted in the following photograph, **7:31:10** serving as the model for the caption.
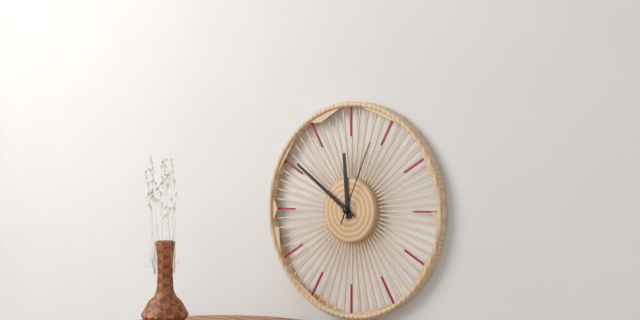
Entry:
**11:51:04**
